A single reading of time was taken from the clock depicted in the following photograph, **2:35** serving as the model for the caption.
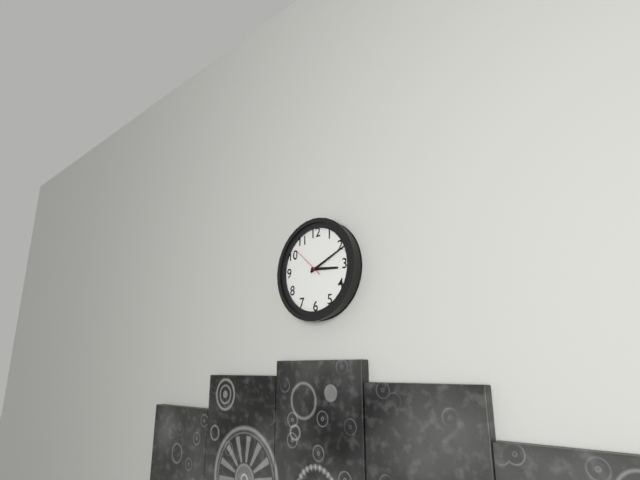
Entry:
**3:11**
